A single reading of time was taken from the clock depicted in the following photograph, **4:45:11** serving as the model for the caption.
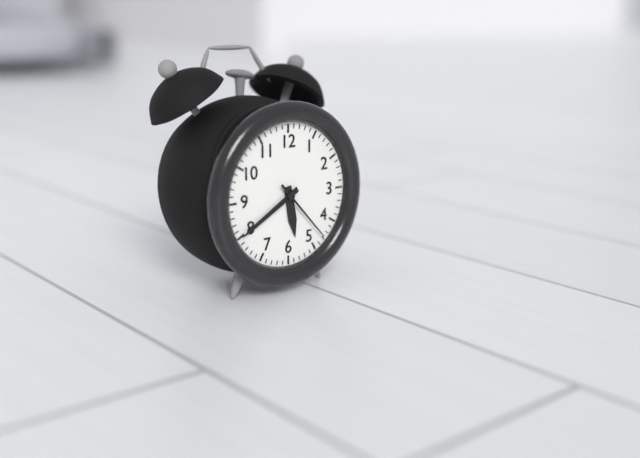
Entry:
**5:40:23**
